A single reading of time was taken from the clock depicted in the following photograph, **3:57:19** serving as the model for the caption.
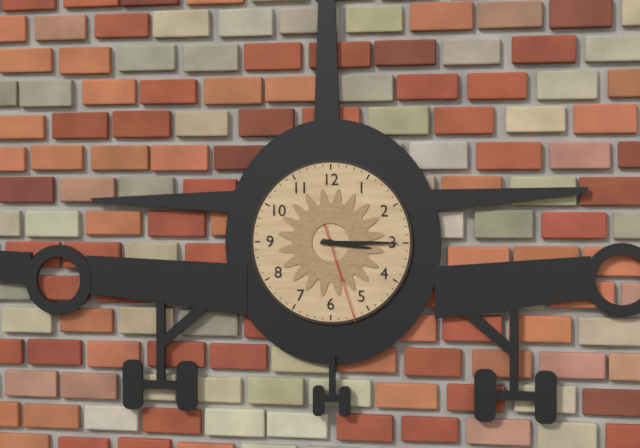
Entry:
**3:15:27**
